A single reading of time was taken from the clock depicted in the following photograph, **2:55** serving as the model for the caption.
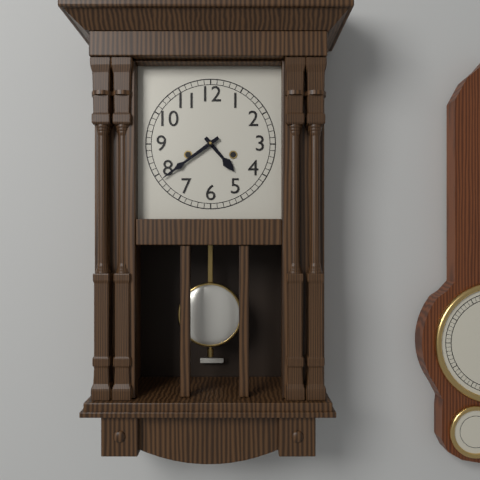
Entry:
**4:39**
